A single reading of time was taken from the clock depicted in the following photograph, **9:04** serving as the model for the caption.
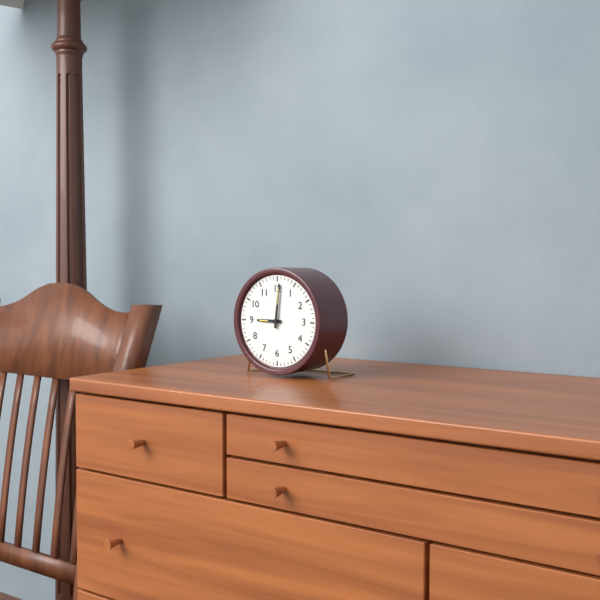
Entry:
**9:01**
